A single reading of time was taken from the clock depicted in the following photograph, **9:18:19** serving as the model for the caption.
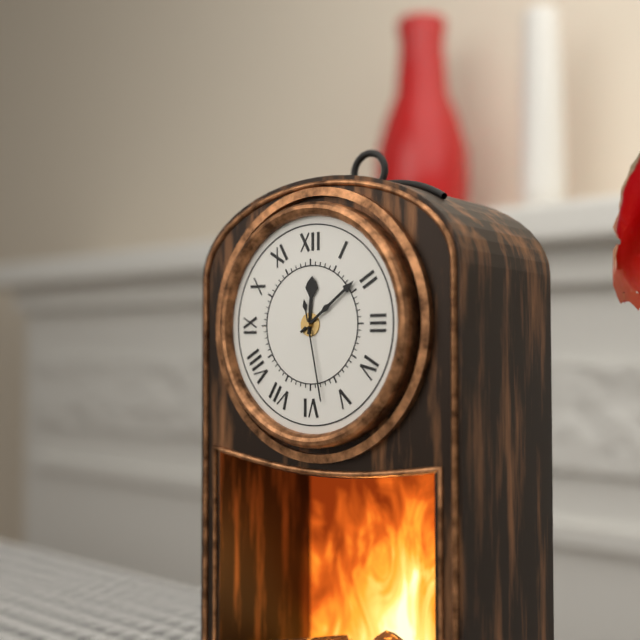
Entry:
**12:09:28**
